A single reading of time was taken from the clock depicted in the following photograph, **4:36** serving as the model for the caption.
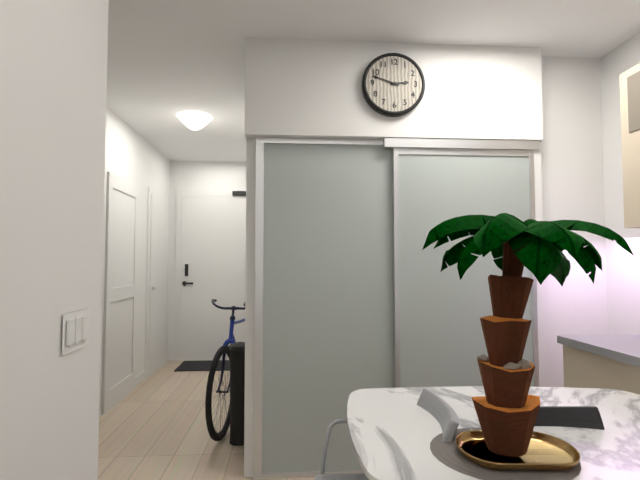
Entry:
**2:48**
